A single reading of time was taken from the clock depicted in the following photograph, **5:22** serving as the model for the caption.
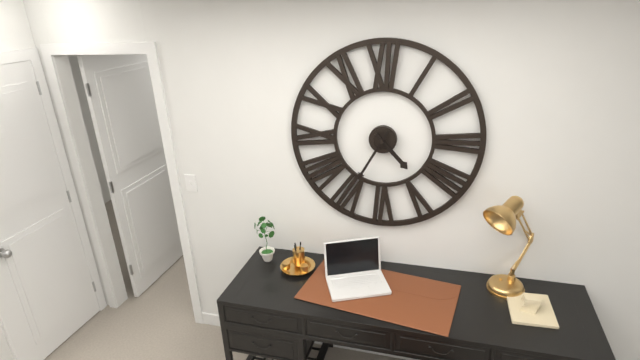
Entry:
**4:35**
